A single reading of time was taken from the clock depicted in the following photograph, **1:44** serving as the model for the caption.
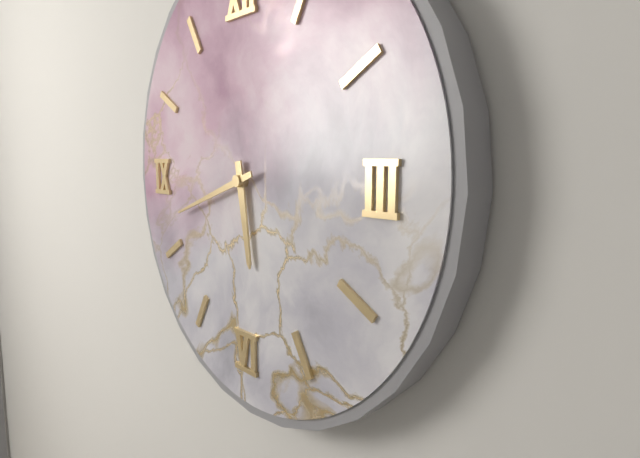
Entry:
**5:42**
